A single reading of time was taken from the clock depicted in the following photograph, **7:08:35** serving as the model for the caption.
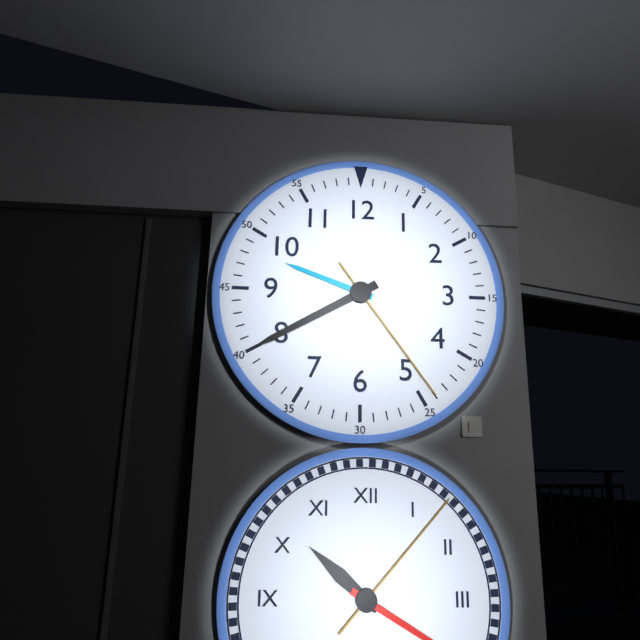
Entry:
**9:40:24**
